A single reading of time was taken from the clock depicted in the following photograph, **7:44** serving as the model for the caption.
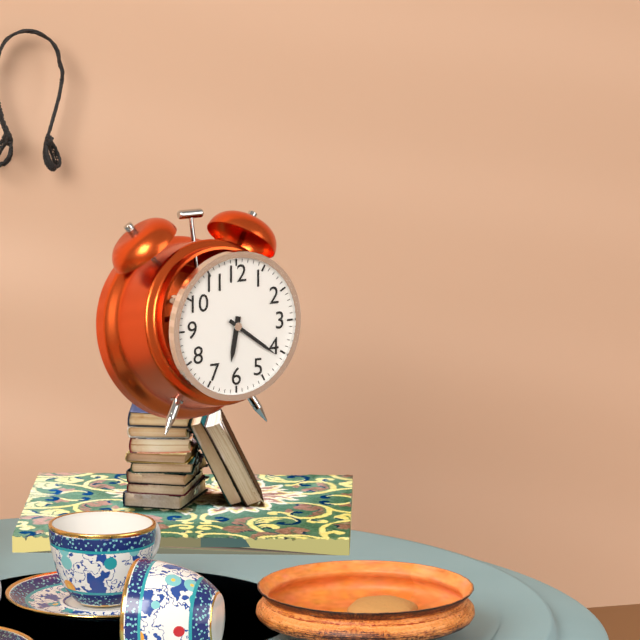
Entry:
**6:21**
